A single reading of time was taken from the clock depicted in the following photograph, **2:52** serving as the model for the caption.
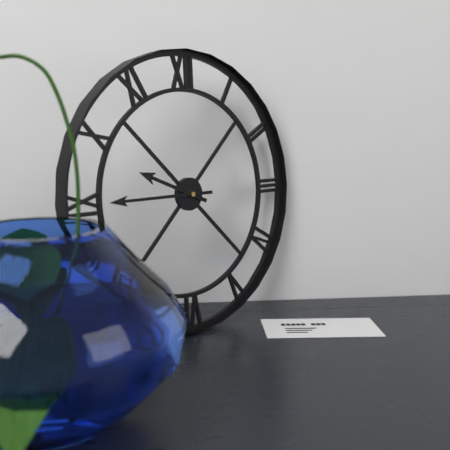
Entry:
**9:45**
